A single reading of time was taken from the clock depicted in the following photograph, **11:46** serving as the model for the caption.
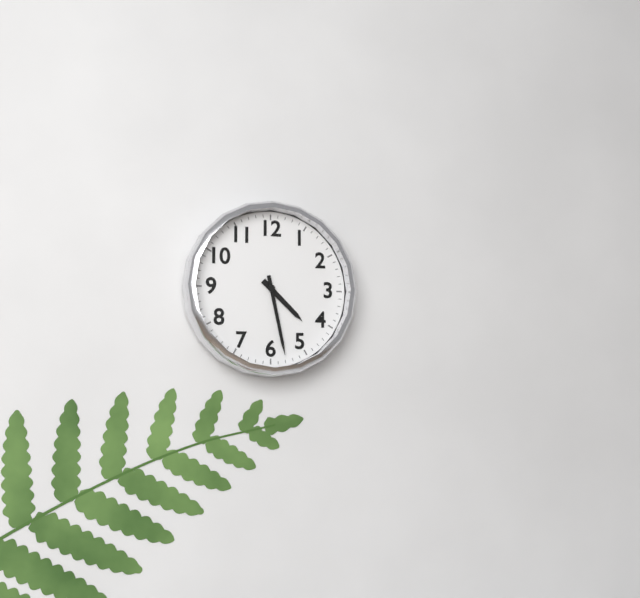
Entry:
**4:28**
